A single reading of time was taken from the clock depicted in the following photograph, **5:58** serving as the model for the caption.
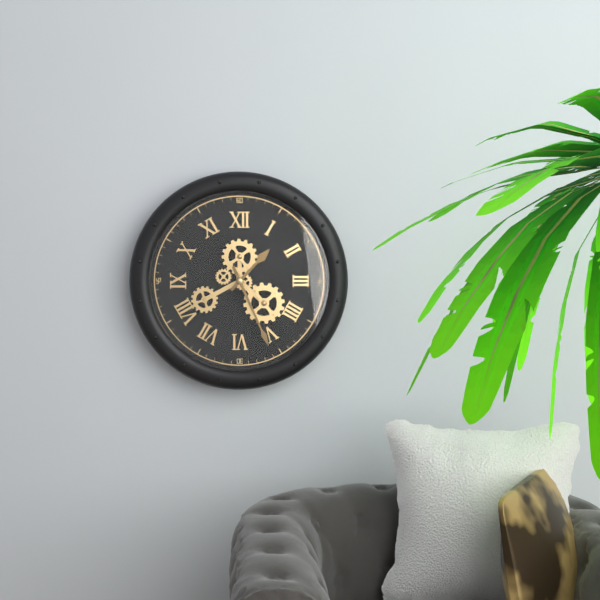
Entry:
**1:26**
